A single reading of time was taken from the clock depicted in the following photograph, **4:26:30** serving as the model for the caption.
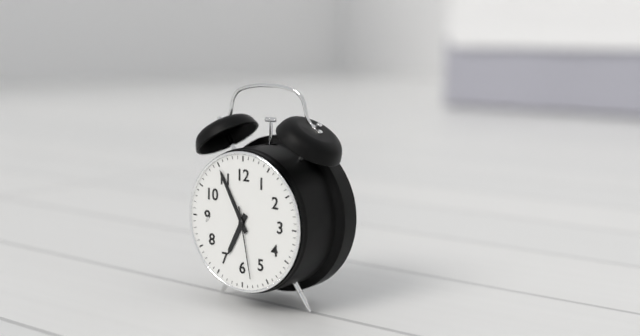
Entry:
**6:55:28**
